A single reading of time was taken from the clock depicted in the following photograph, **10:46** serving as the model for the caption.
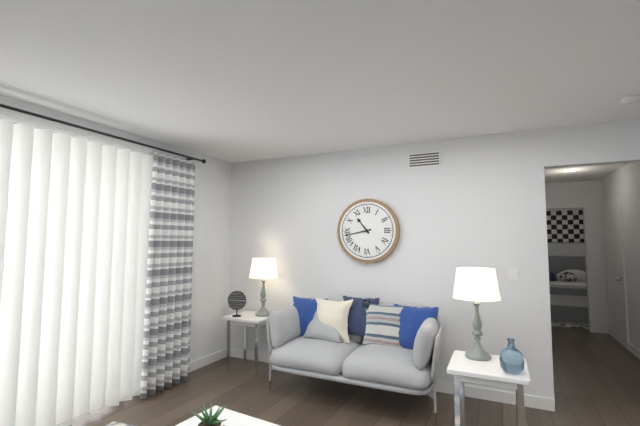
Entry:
**10:43**
